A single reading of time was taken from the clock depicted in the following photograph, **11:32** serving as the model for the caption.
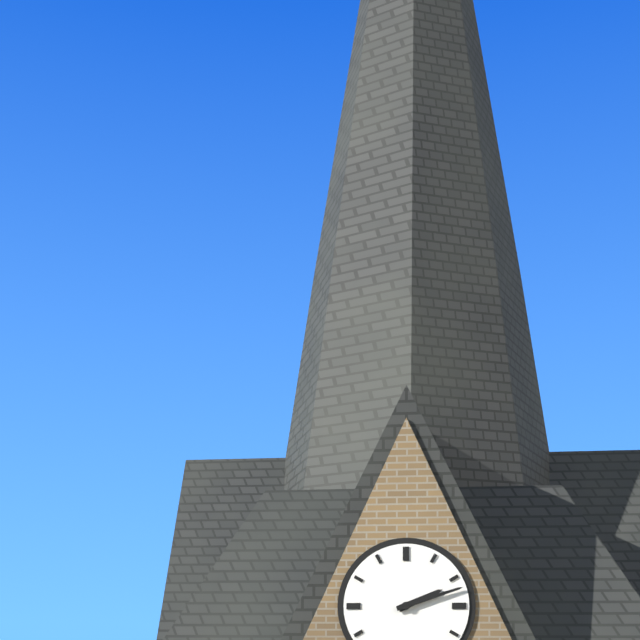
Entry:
**2:12**
